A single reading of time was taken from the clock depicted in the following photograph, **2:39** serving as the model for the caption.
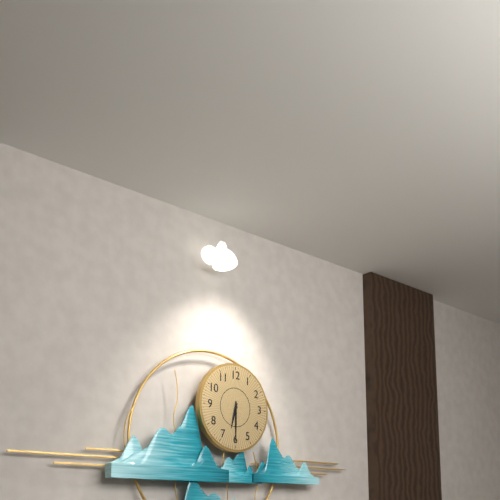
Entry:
**6:30**
